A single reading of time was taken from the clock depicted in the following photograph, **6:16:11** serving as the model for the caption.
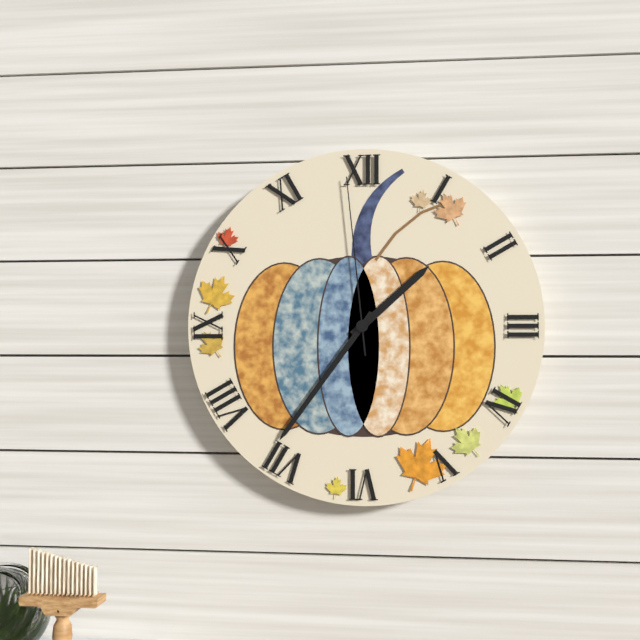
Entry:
**1:36:59**
